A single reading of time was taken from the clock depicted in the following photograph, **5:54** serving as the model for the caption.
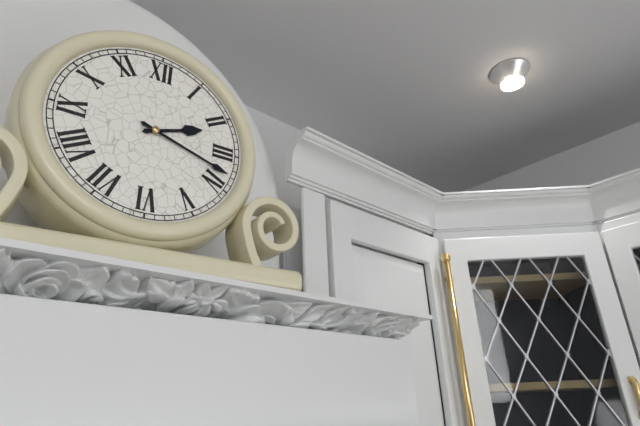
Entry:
**2:18**
